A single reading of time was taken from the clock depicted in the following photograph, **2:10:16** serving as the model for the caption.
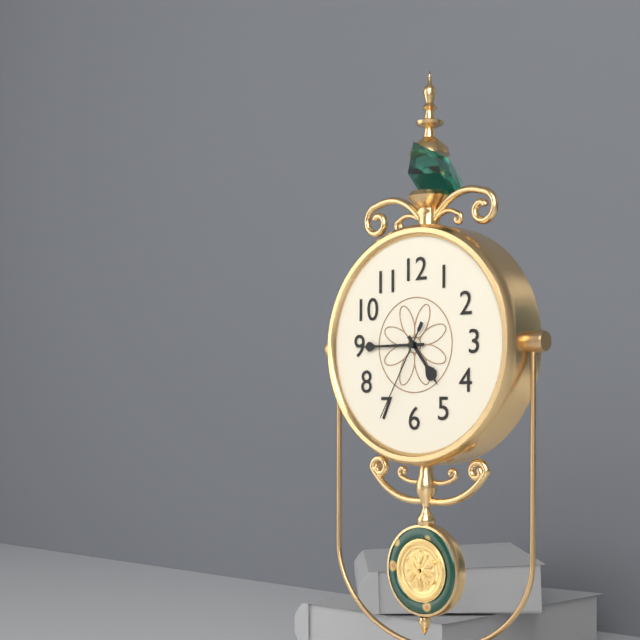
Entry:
**4:45:35**
